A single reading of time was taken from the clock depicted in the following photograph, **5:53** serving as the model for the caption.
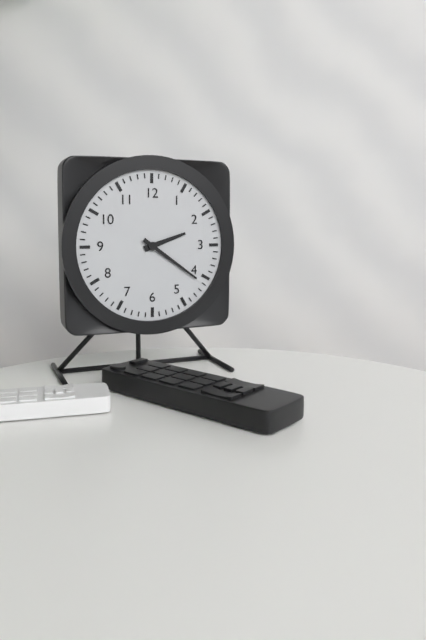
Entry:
**2:21**
